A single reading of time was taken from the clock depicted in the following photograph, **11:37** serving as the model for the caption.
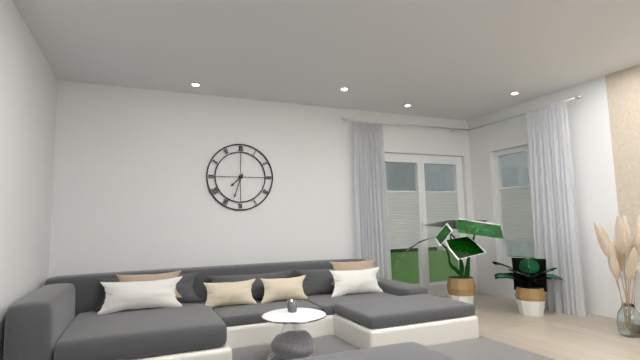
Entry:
**7:33**
